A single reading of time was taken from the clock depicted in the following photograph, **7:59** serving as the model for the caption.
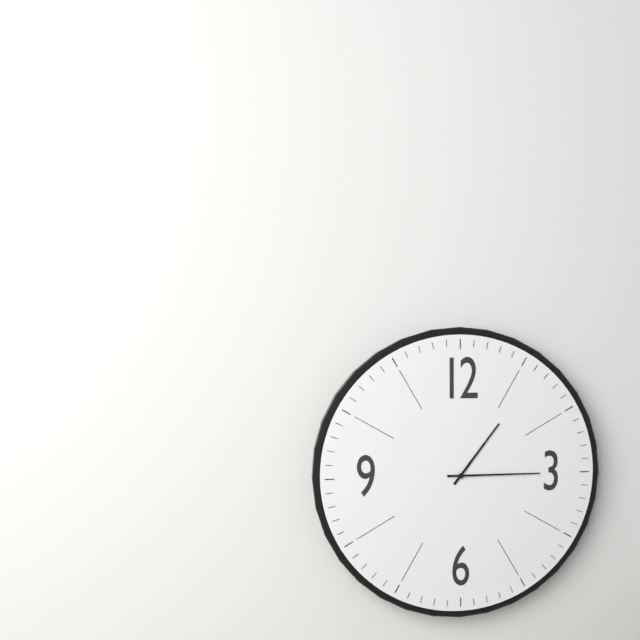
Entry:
**1:15**
